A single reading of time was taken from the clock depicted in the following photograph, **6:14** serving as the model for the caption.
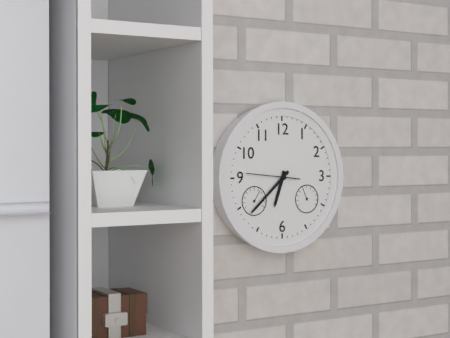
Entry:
**6:38**
